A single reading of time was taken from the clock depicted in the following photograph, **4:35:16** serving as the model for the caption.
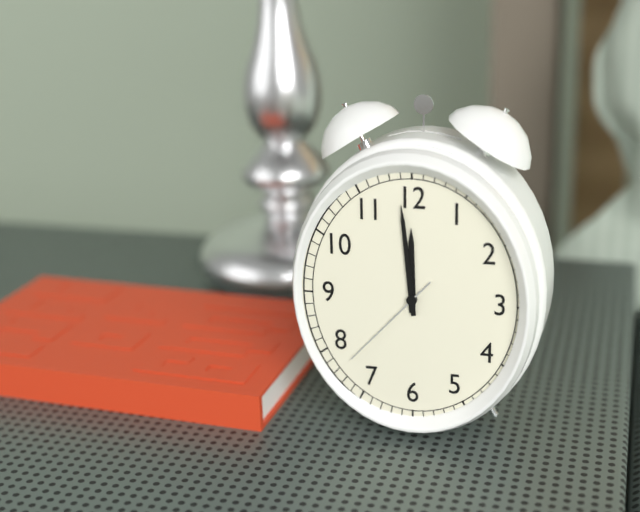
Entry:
**11:59:37**
